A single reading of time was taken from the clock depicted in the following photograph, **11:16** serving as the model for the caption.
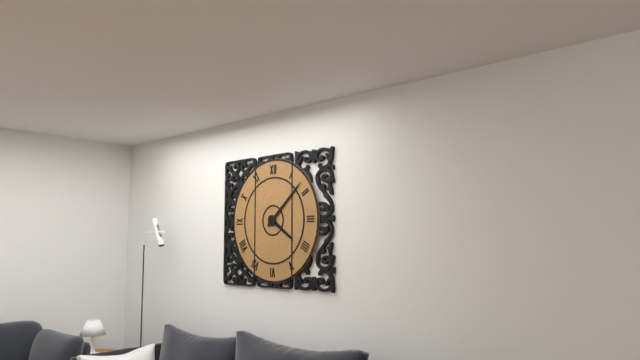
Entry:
**4:08**
